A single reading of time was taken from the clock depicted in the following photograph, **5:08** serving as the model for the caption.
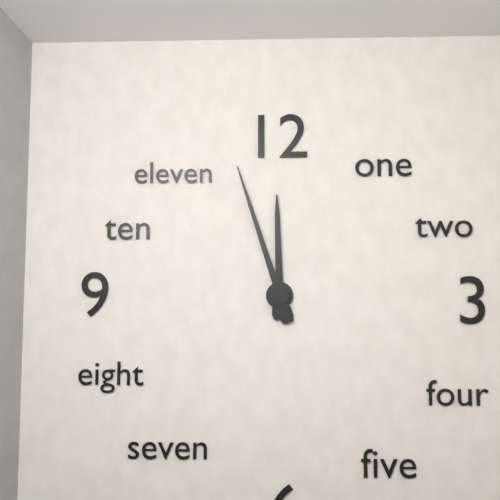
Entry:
**11:57**
